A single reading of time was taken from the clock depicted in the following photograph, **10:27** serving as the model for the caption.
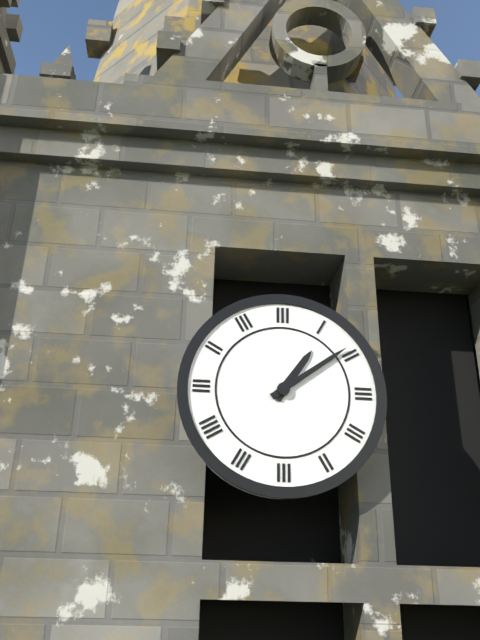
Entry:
**1:09**
